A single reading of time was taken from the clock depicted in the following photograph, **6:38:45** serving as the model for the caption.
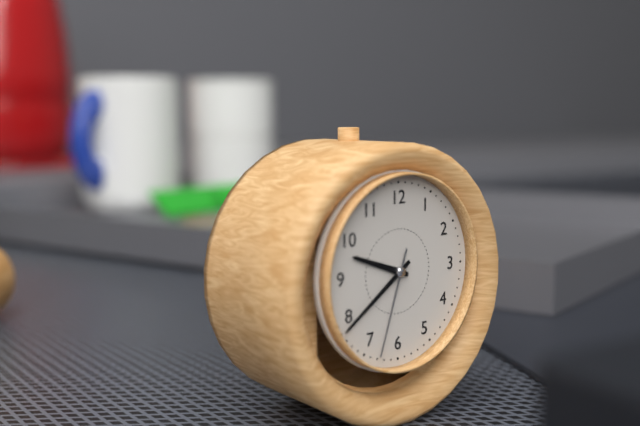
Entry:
**9:39:33**
